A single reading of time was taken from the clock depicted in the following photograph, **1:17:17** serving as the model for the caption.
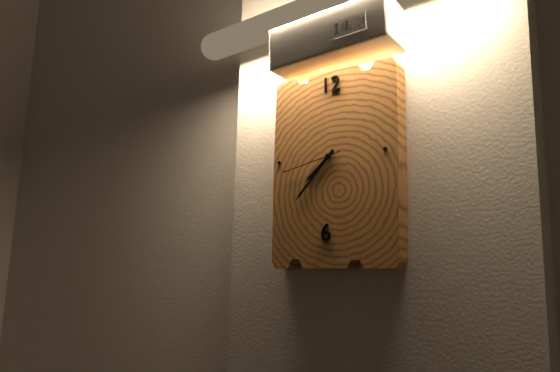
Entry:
**7:37:43**
